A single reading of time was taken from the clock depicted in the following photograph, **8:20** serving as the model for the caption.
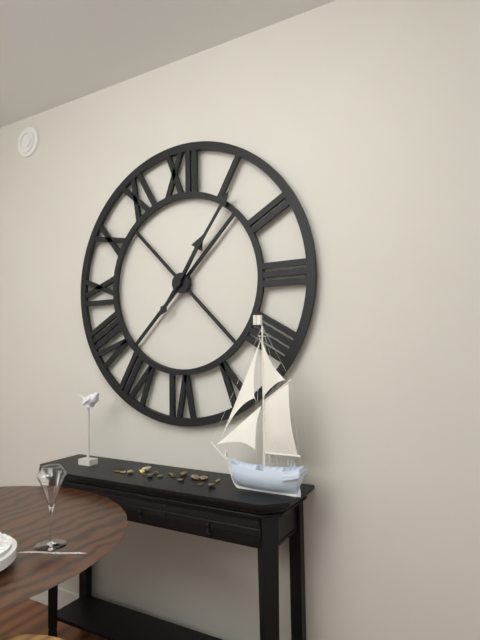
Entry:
**1:06**
